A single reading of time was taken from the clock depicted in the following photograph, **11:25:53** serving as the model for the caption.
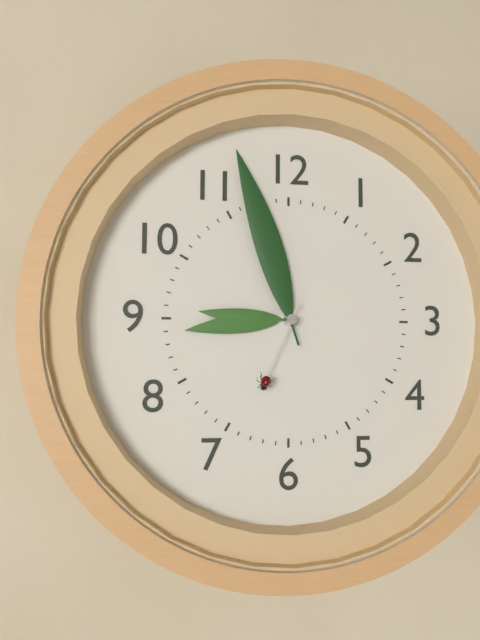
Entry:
**8:57:34**
